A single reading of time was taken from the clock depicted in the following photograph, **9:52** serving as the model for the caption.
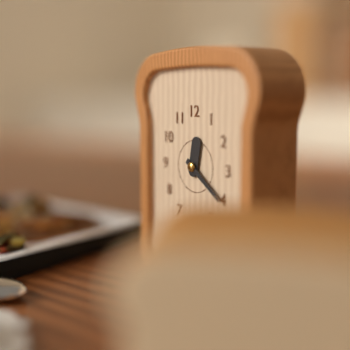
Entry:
**12:21**
